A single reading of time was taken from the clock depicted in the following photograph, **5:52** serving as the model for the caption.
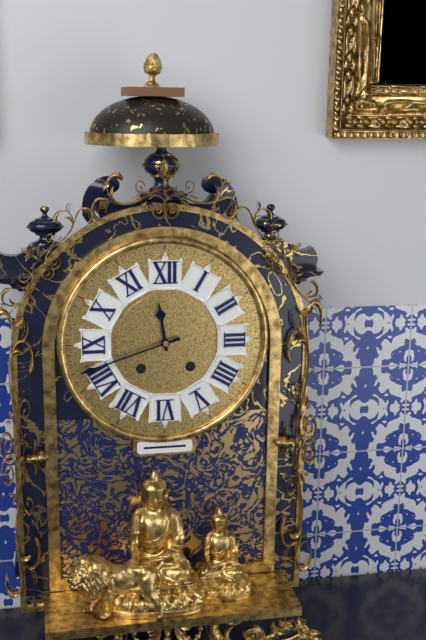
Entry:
**11:42**
